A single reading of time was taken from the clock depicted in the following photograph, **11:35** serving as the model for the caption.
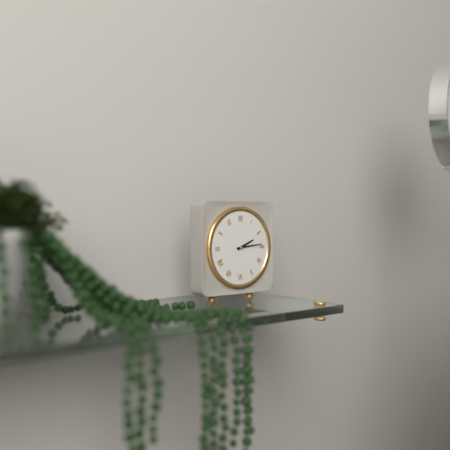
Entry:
**2:14**
